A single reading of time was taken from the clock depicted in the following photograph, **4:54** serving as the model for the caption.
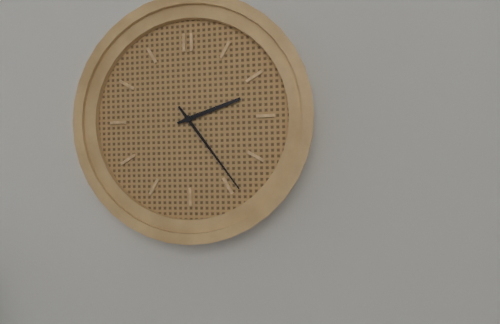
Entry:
**2:24**
